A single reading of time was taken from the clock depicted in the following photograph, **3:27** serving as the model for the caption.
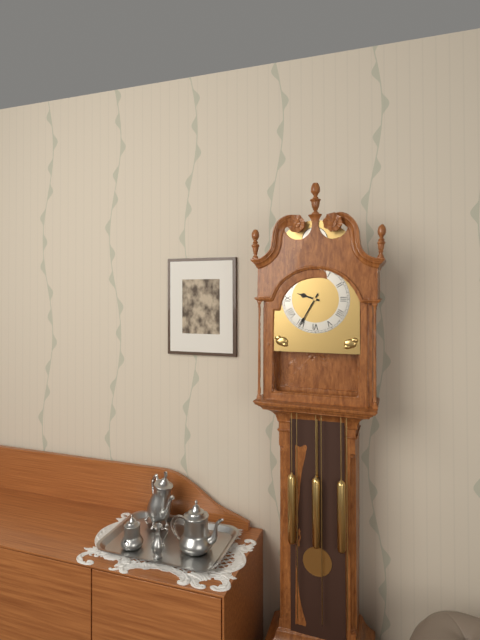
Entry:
**9:35**
